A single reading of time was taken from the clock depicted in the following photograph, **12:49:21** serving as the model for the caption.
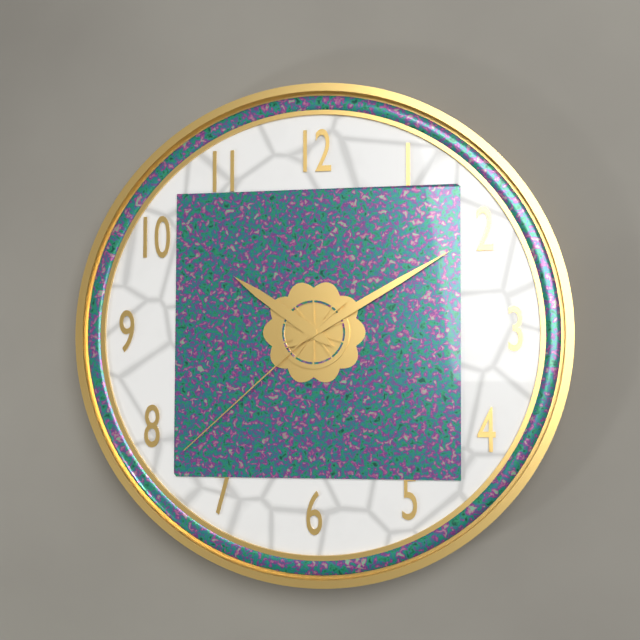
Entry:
**10:10:38**
